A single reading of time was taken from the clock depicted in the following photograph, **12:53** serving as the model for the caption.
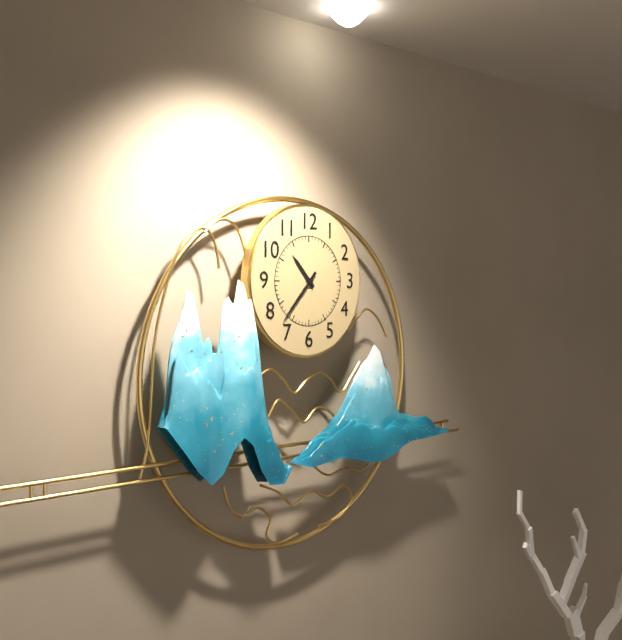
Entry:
**10:37**
